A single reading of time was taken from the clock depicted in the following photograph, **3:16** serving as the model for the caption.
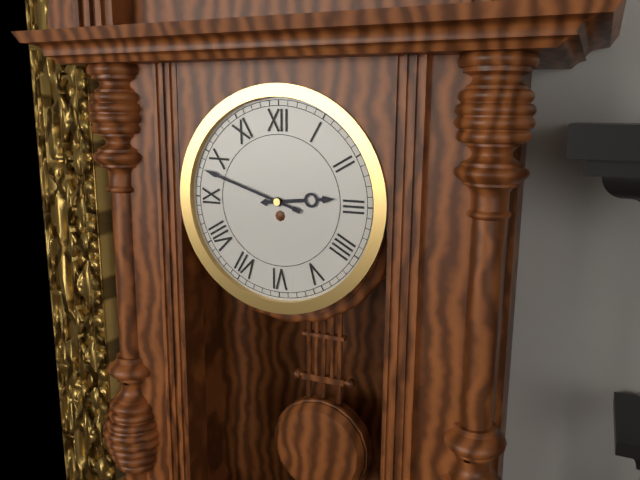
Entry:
**2:48**
